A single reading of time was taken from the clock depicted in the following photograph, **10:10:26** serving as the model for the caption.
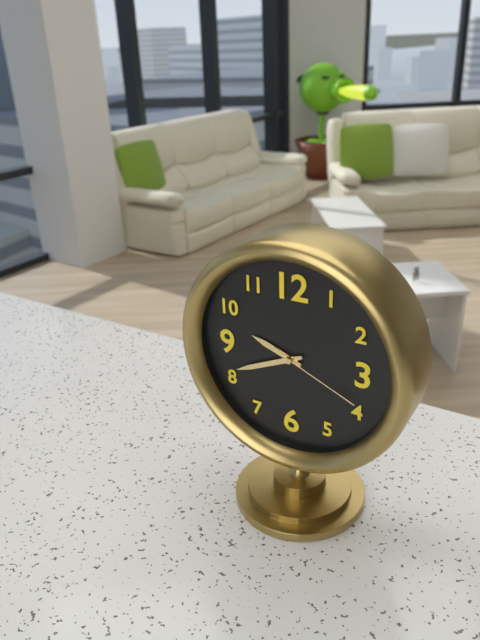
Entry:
**9:41:19**
